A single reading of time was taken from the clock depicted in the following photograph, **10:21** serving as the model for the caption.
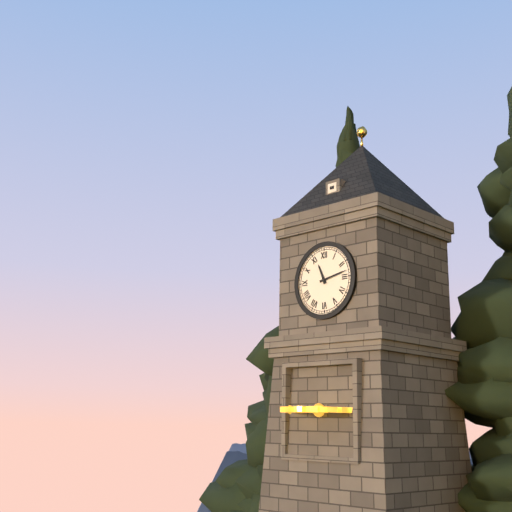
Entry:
**11:13**
